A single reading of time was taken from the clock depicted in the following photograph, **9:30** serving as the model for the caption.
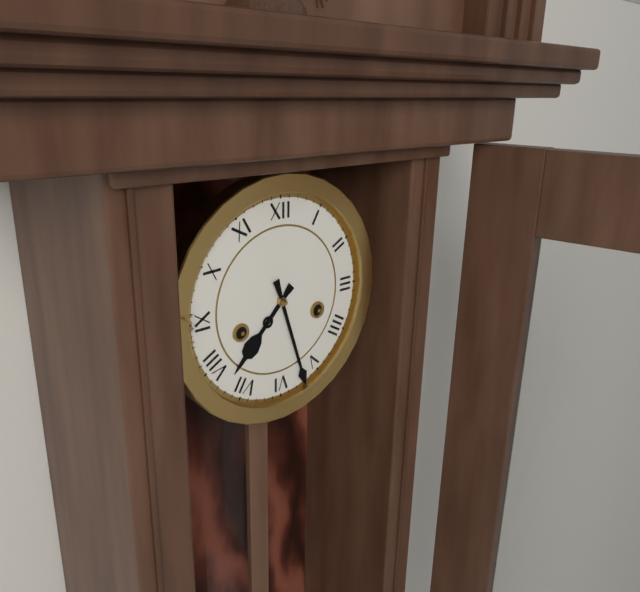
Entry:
**7:27**
